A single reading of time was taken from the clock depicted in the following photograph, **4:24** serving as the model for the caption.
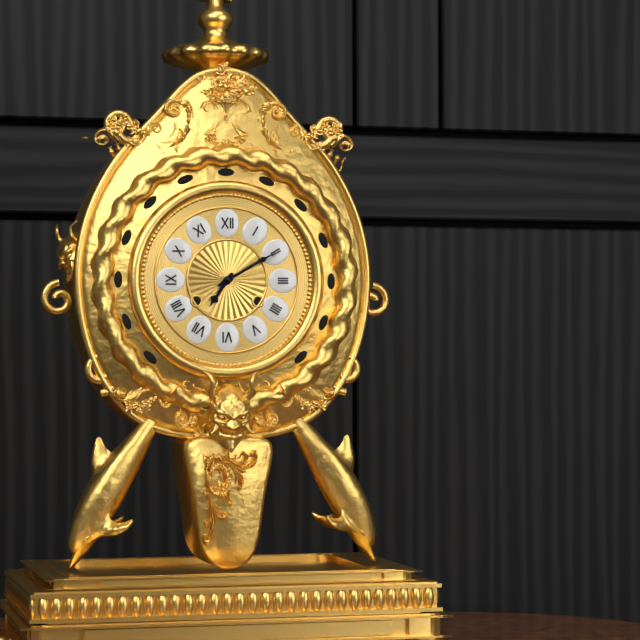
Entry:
**7:10**
